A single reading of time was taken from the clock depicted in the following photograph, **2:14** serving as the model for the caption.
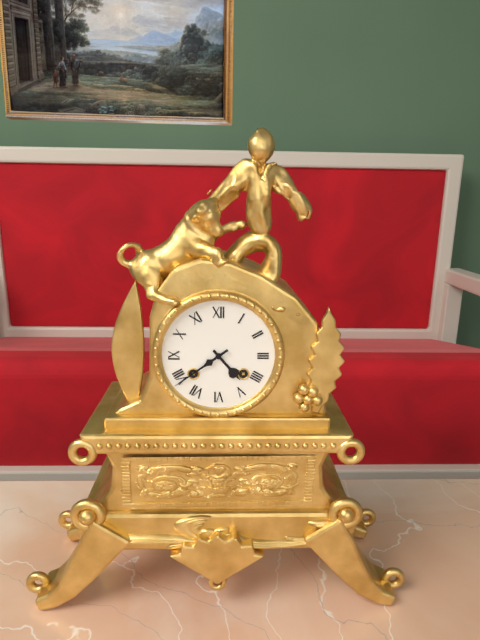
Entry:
**4:39**
